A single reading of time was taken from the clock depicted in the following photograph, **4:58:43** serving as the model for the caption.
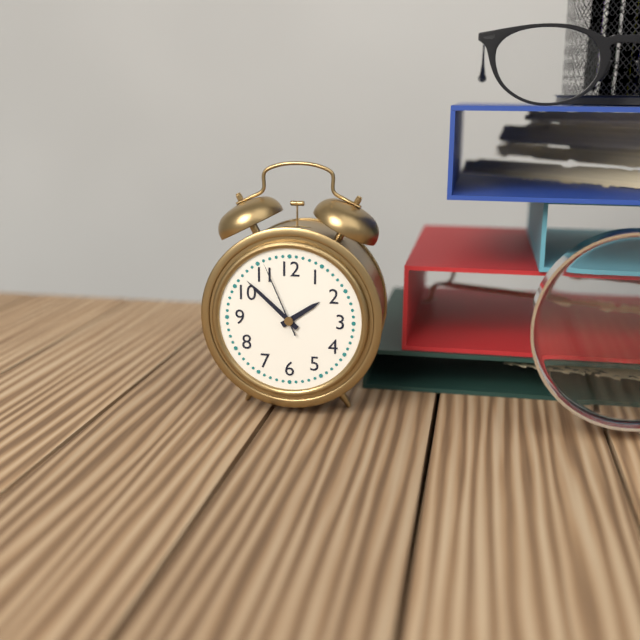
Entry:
**1:52:56**
